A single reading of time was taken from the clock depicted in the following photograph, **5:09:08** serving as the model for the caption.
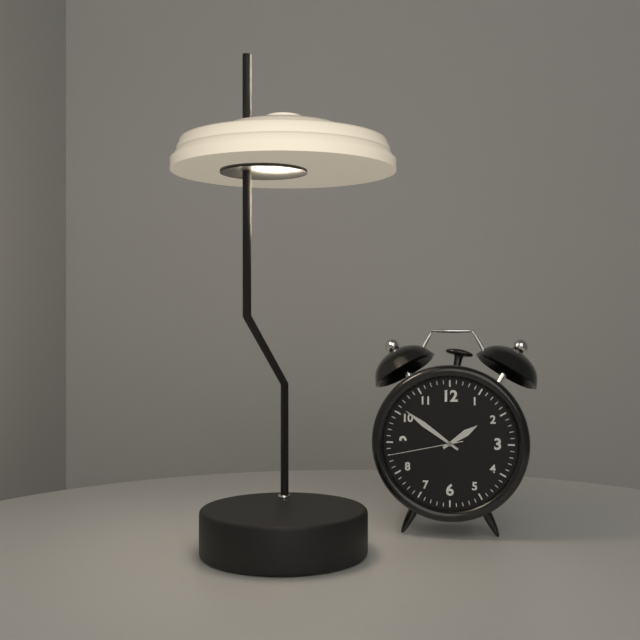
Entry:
**1:51:43**
